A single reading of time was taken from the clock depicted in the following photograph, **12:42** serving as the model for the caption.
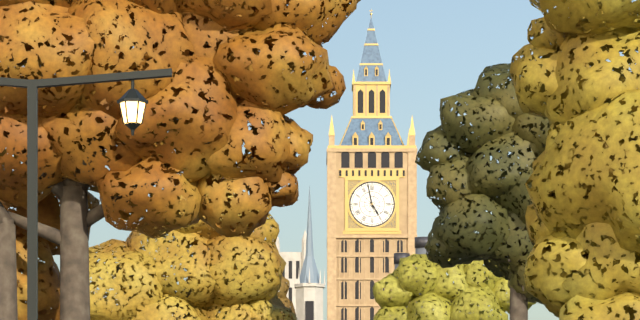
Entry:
**4:58**
